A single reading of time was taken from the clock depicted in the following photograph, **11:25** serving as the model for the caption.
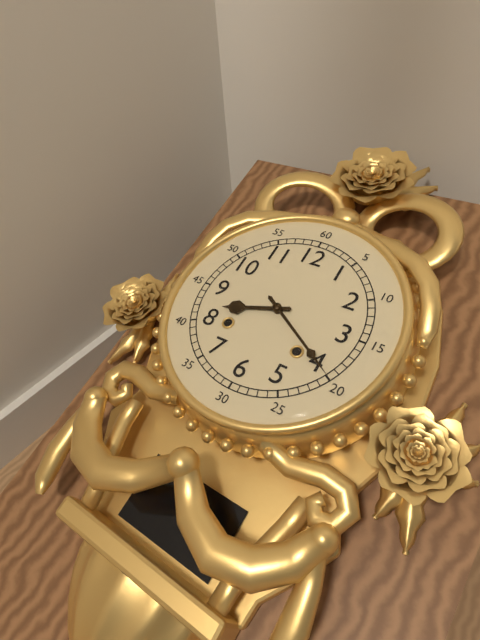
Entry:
**8:20**
